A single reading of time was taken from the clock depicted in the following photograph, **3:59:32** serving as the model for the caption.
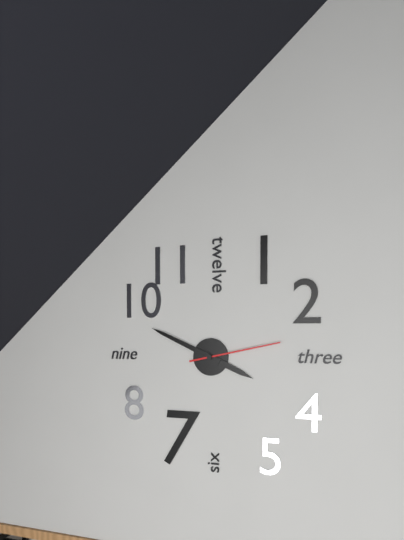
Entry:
**3:49:13**
